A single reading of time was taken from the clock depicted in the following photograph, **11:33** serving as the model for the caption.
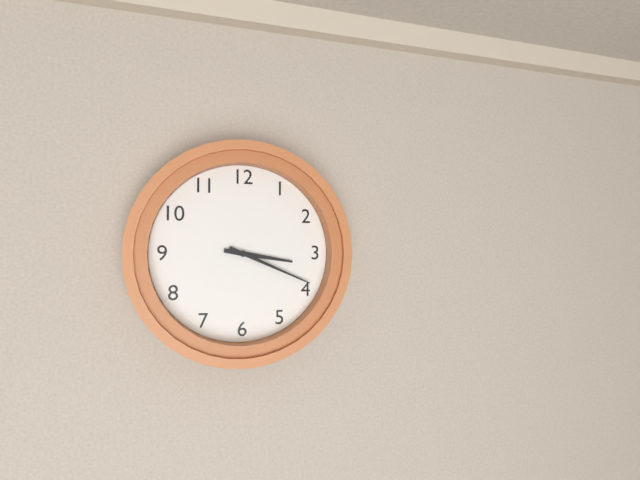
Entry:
**3:19**
